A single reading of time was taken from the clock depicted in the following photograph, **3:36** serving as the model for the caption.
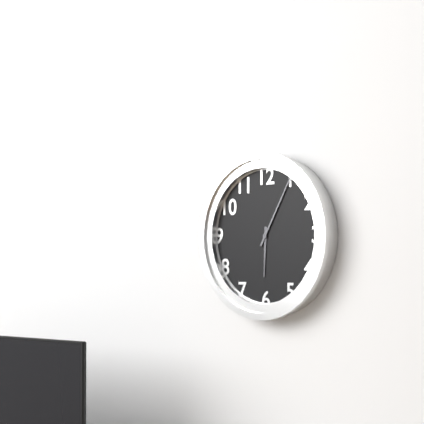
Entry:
**6:05**
